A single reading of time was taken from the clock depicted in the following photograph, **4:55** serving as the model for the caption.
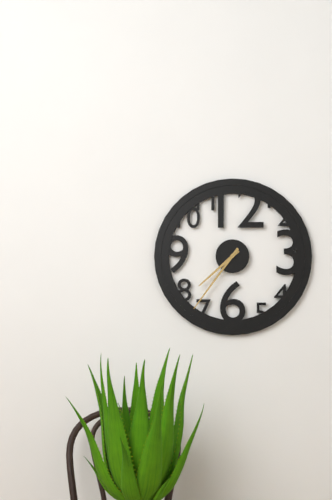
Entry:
**7:36**
